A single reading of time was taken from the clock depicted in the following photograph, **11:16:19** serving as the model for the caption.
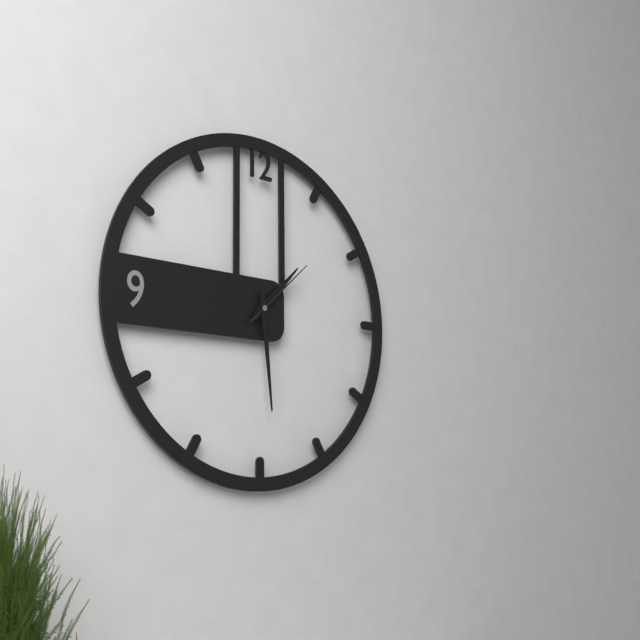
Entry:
**1:29:08**
